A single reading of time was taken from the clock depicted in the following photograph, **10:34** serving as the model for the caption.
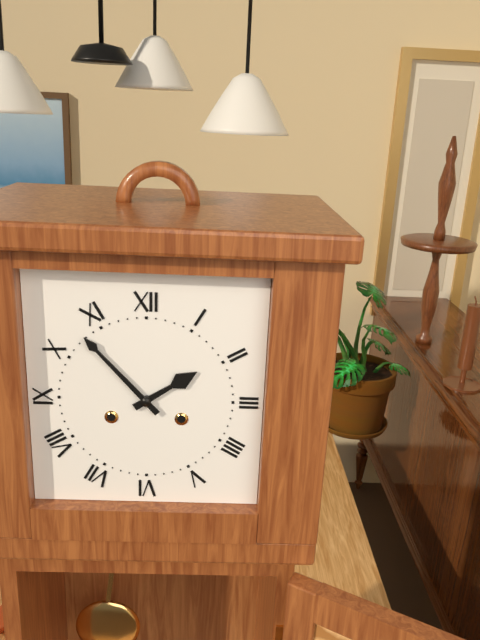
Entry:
**1:53**
